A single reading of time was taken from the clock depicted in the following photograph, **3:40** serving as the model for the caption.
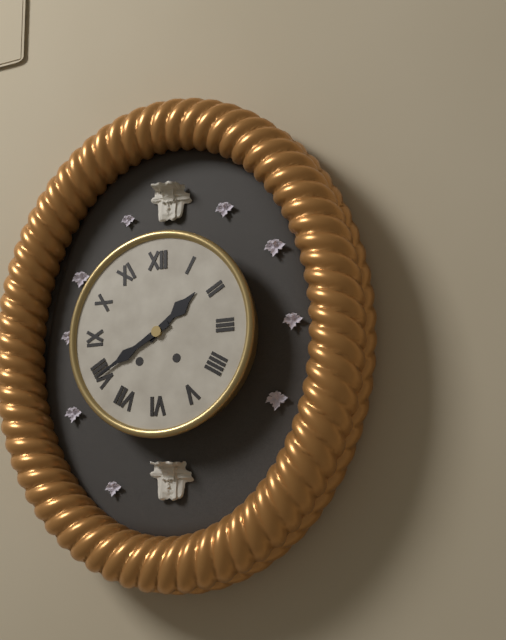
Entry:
**1:40**
